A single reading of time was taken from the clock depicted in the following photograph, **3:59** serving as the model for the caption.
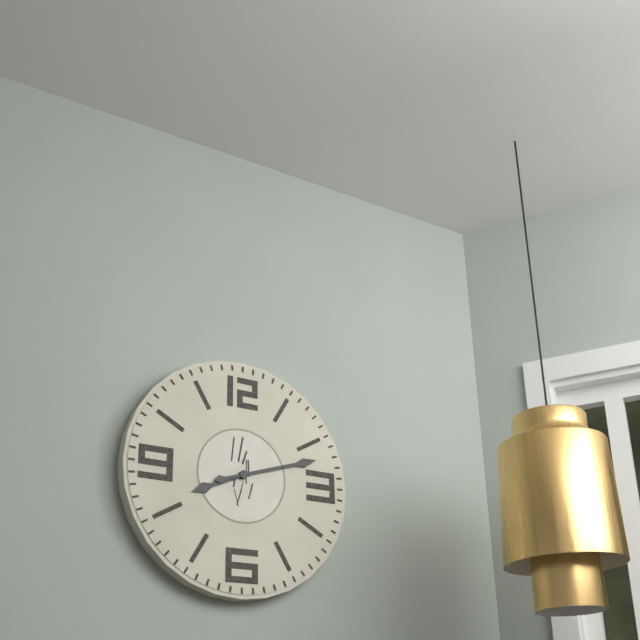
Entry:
**8:12**
